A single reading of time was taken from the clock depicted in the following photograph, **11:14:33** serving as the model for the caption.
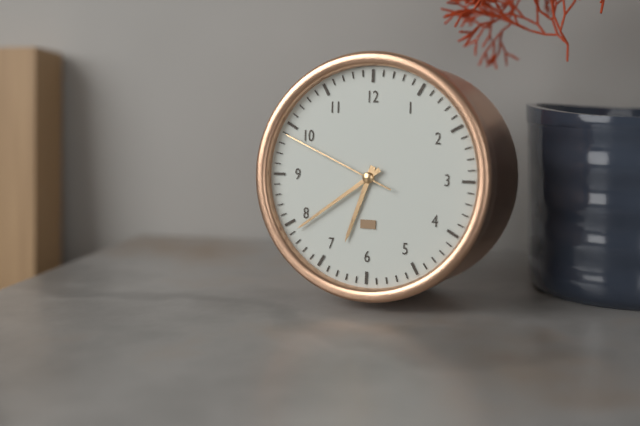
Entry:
**6:39:49**
